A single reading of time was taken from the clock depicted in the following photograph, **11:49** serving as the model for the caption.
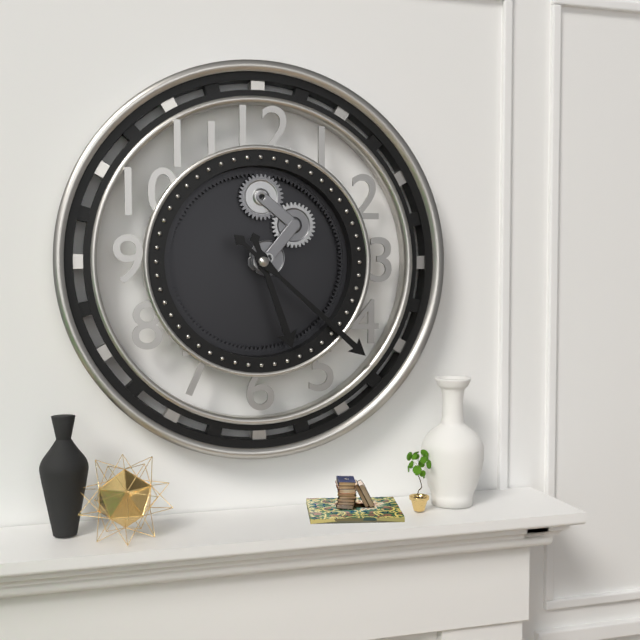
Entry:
**5:22**
